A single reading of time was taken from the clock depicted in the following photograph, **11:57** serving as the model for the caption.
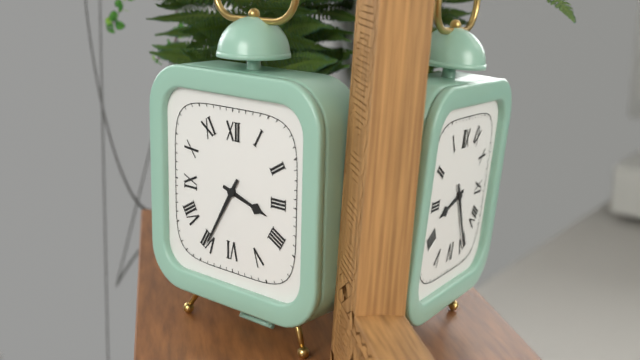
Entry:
**3:35**
